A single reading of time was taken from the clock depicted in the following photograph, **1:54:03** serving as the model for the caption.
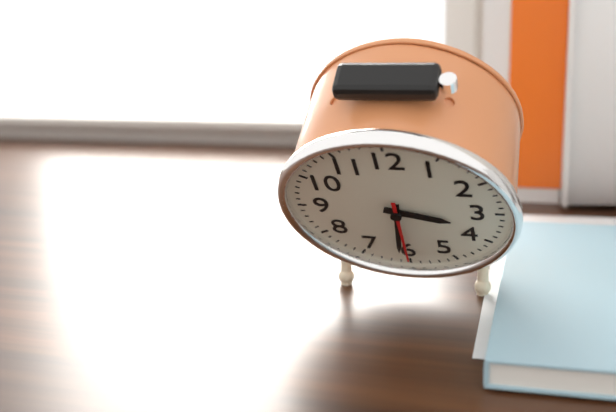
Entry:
**3:31:30**
